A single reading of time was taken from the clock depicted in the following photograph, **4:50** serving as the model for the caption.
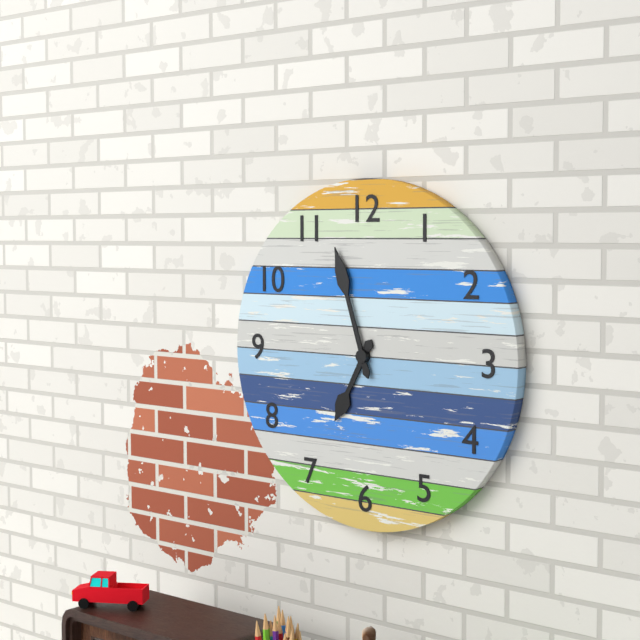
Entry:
**6:57**
